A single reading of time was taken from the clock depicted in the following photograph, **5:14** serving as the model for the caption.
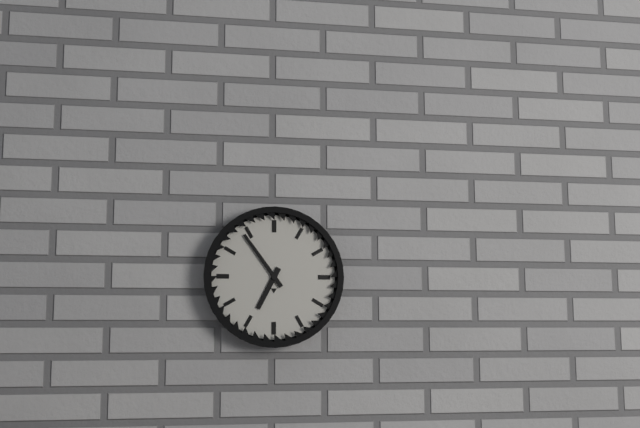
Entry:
**6:54**
